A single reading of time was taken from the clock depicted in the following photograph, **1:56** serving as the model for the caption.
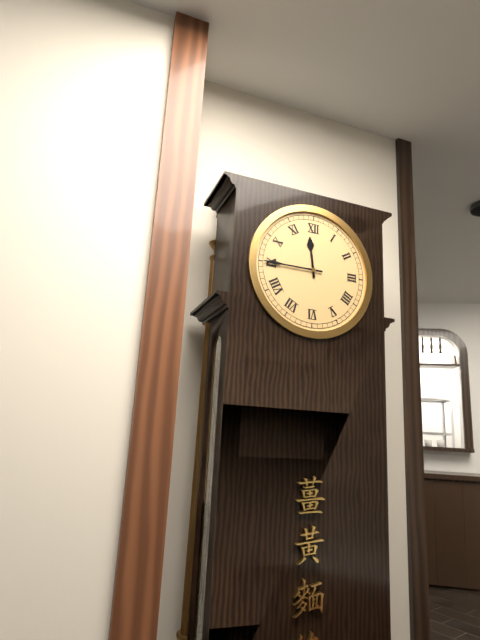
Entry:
**11:45**
